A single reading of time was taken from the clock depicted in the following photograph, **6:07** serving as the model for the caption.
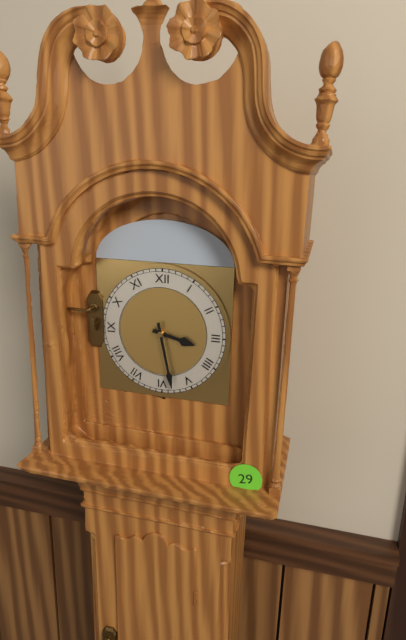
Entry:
**3:28**
